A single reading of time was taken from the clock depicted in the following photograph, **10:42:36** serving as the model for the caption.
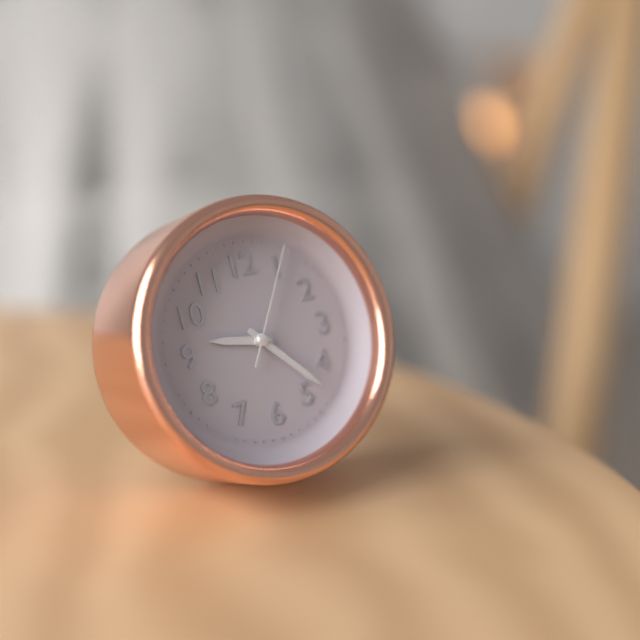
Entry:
**9:23:05**
